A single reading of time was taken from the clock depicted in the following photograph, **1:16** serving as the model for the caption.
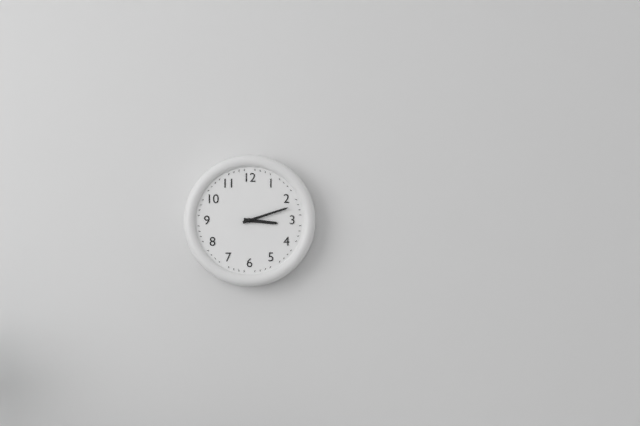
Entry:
**3:12**
